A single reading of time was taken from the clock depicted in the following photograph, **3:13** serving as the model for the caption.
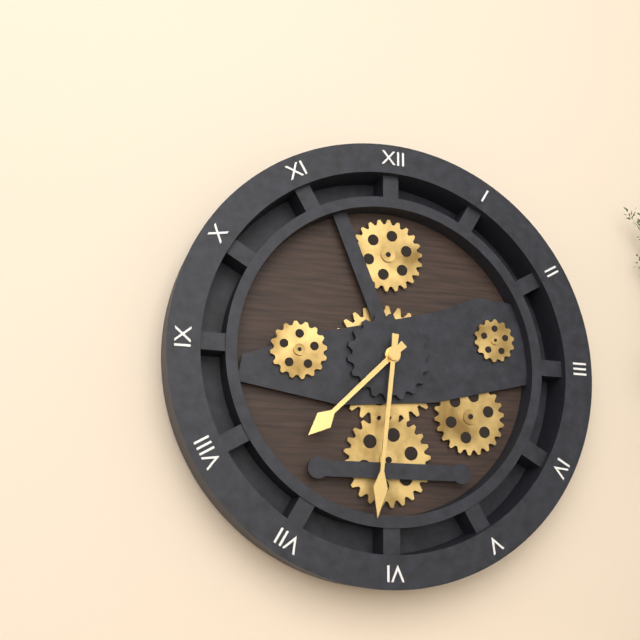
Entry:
**7:31**
